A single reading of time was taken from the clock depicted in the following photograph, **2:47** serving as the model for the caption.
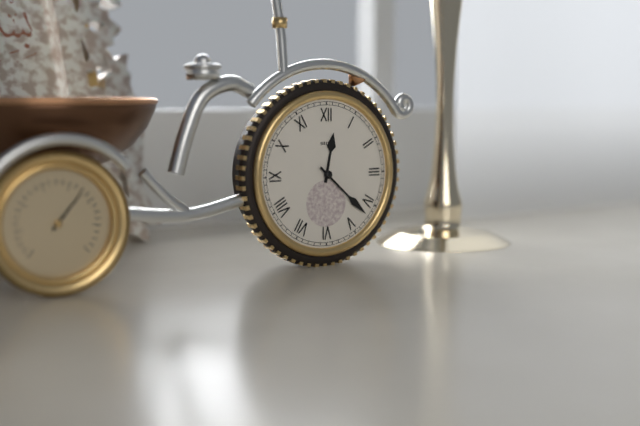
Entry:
**12:22**
